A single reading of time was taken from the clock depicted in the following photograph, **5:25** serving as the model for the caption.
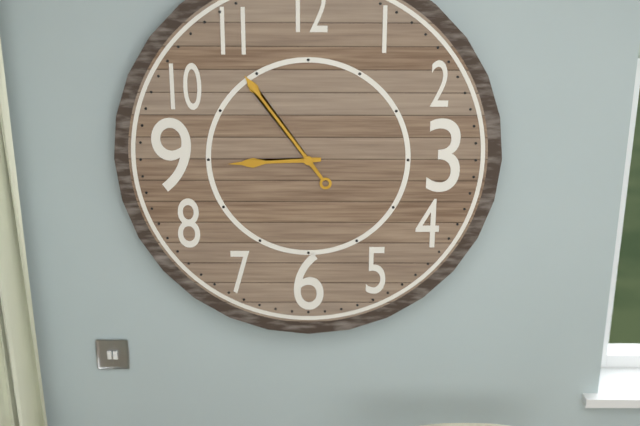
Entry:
**8:54**
